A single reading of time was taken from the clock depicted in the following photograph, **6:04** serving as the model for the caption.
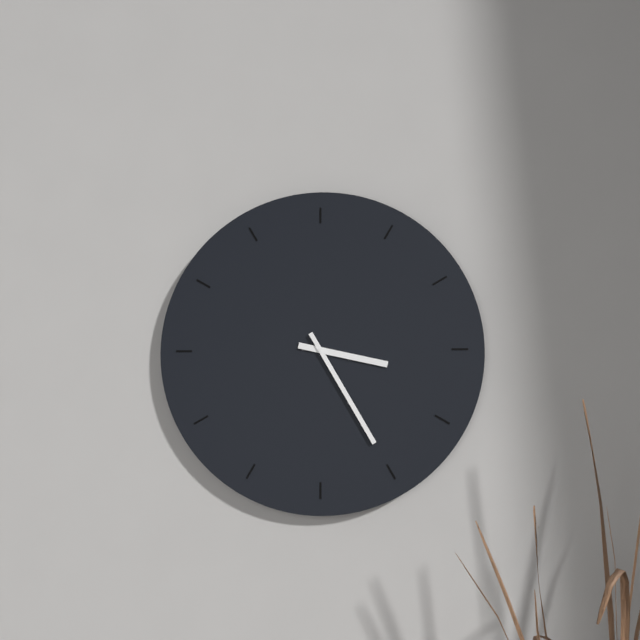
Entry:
**3:25**
